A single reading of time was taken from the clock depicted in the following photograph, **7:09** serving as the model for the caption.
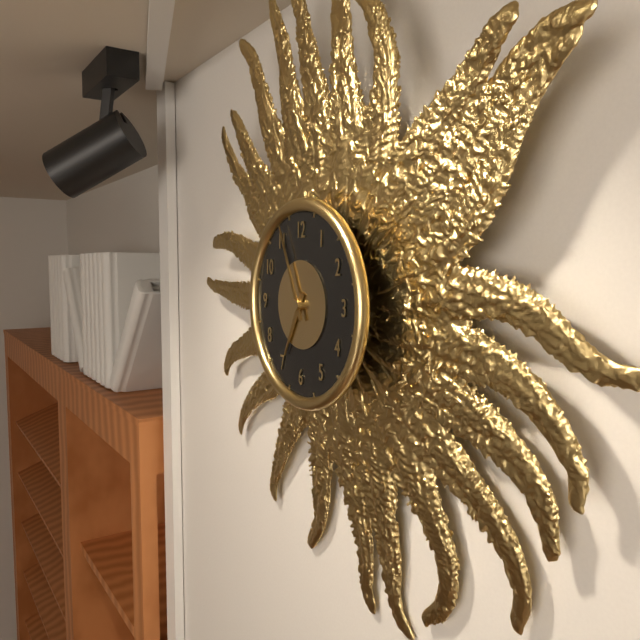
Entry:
**6:56**
